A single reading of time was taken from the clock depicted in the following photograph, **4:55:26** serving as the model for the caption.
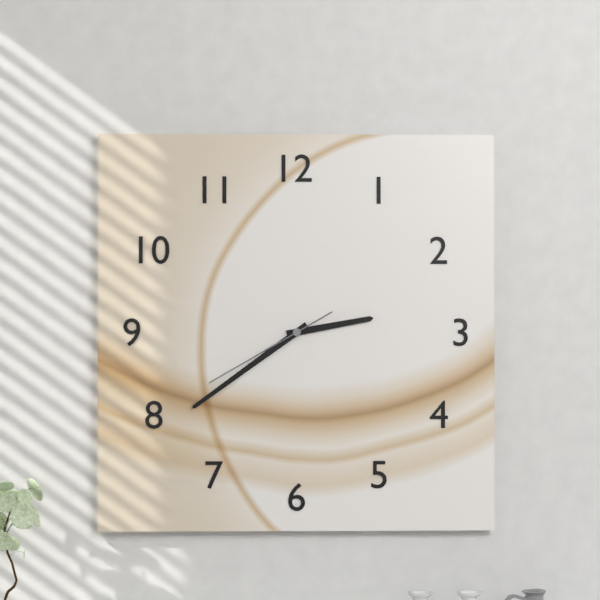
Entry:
**2:39:40**
